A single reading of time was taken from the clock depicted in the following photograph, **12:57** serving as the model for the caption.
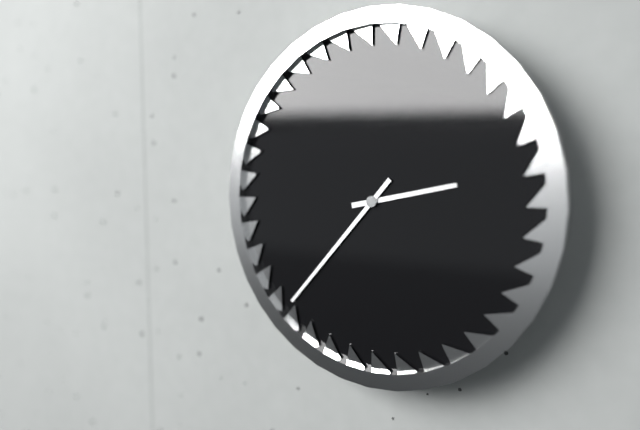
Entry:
**2:37**
